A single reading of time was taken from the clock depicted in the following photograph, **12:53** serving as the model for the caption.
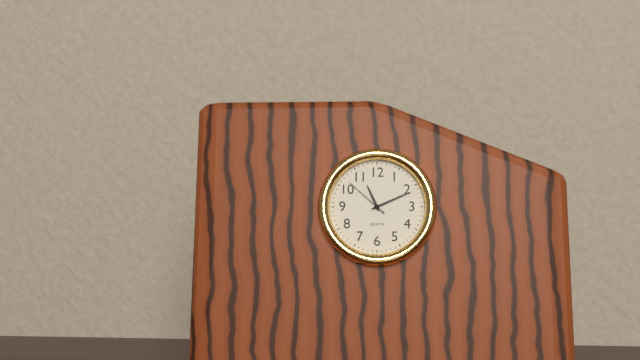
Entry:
**11:11**
